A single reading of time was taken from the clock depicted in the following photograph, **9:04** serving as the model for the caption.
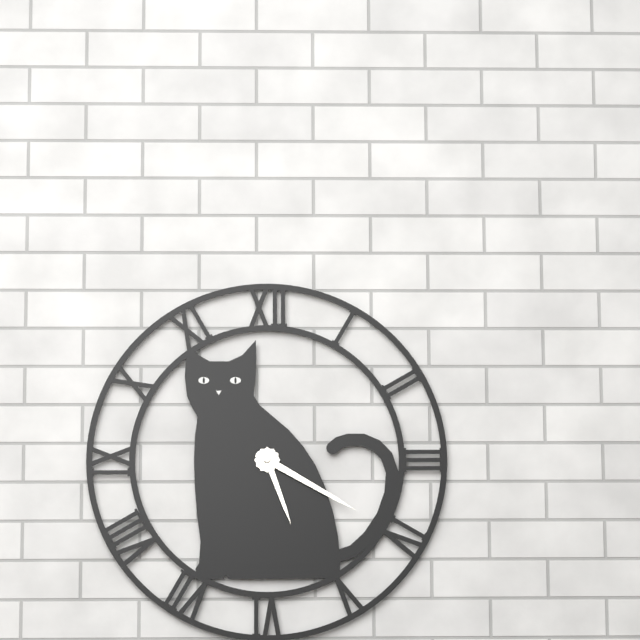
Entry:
**5:20**
